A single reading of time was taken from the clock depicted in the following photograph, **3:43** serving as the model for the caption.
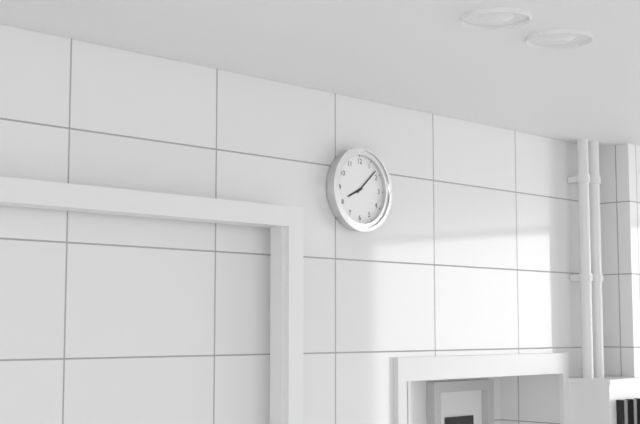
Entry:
**8:08**
